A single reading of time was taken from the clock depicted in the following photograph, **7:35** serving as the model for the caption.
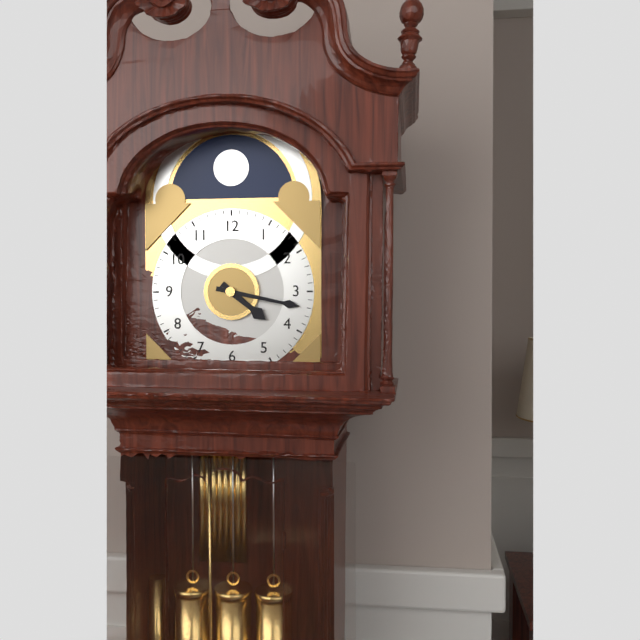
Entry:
**4:17**
